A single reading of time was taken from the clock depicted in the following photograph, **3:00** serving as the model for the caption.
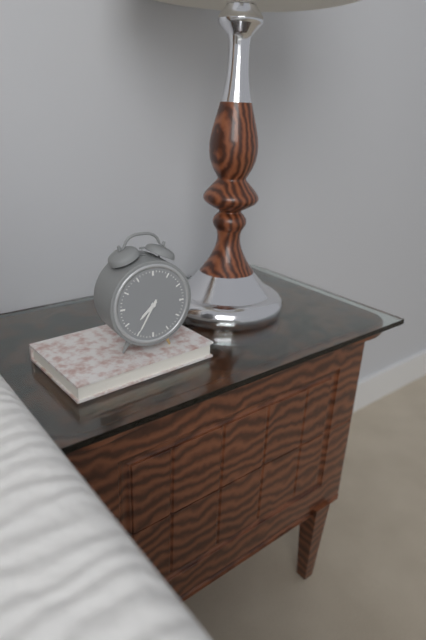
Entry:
**7:35**
